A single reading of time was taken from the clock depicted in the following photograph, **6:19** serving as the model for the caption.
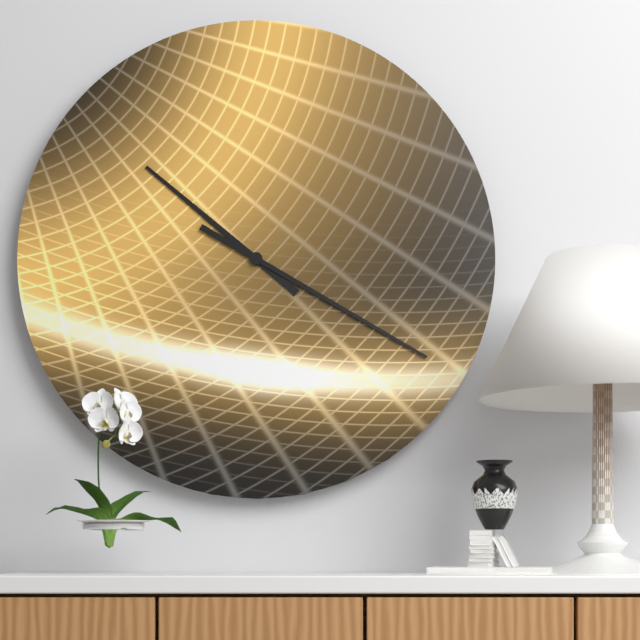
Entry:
**10:20**
